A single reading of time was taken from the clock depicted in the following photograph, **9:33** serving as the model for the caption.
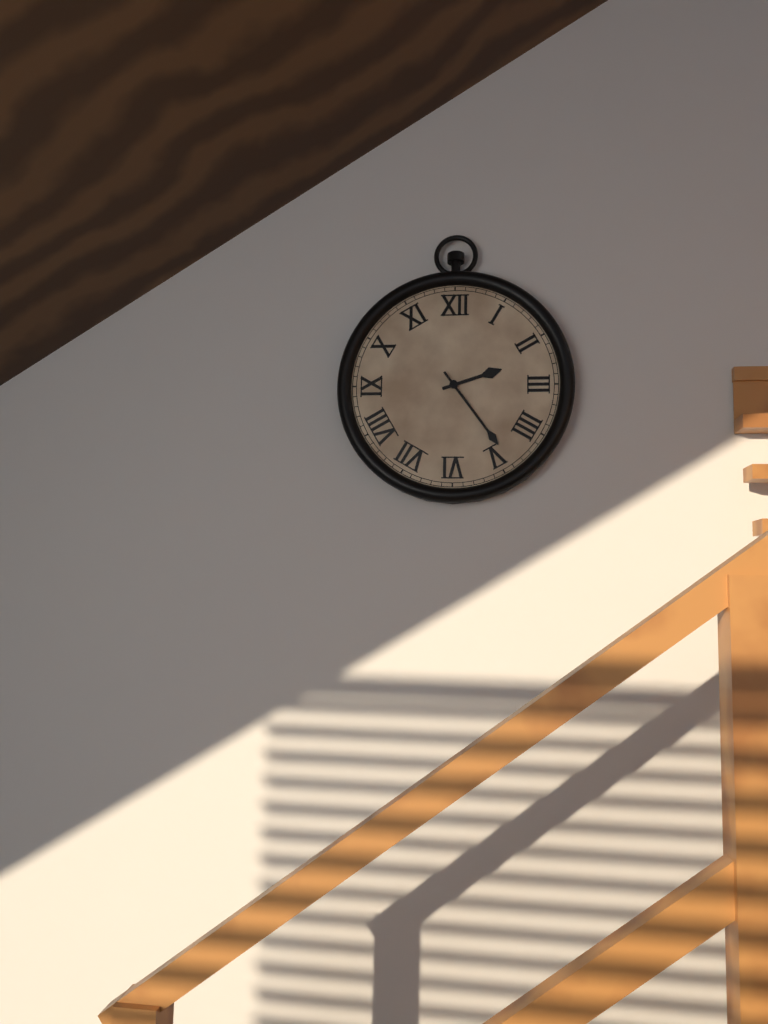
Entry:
**2:24**
